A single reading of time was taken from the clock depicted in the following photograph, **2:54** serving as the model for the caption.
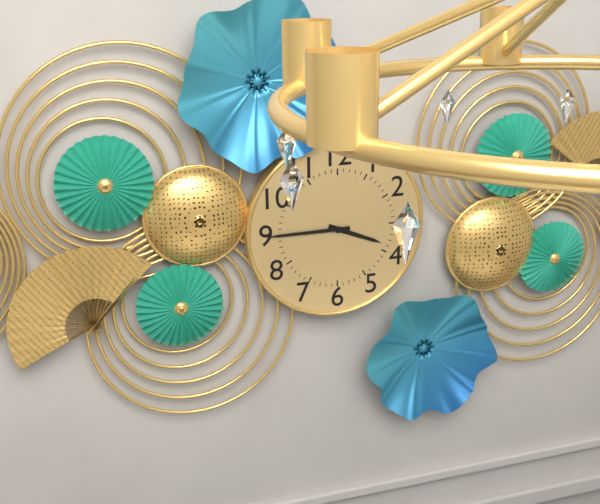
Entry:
**3:45**
